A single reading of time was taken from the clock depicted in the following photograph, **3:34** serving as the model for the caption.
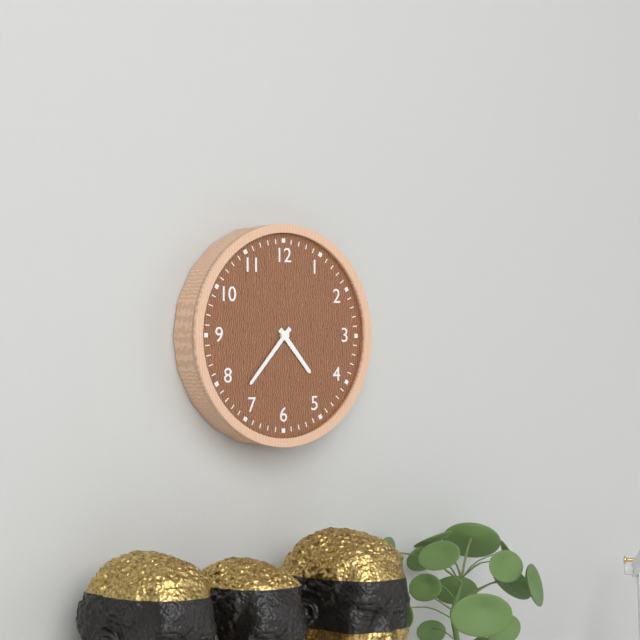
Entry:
**4:37**
